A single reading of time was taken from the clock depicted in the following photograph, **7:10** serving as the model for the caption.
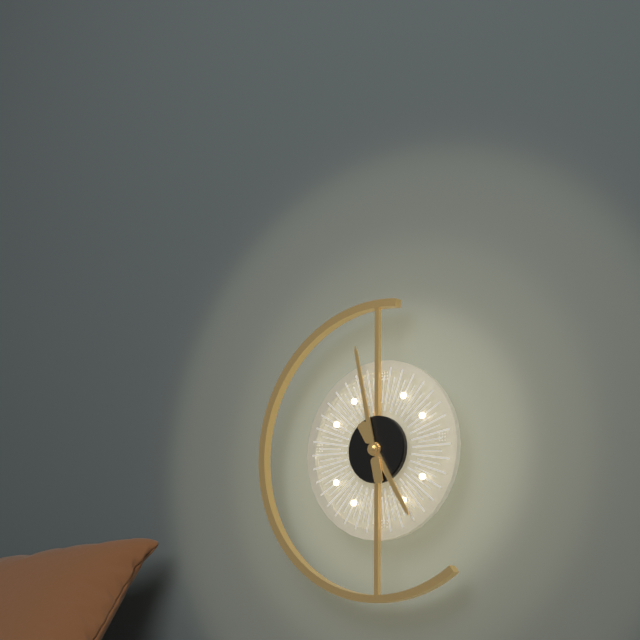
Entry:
**4:58**
